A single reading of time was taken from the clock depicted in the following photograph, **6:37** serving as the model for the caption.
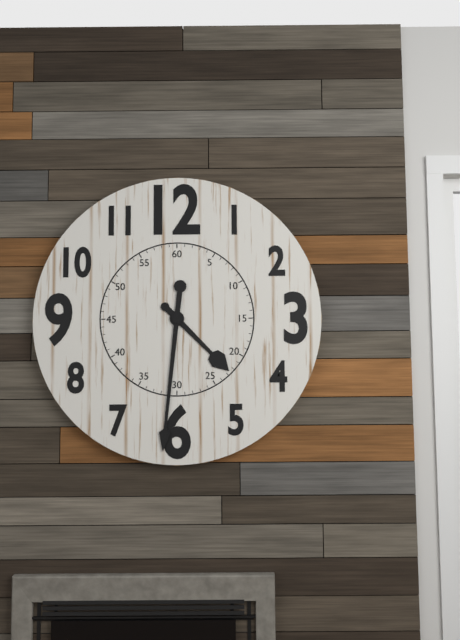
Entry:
**4:31**
